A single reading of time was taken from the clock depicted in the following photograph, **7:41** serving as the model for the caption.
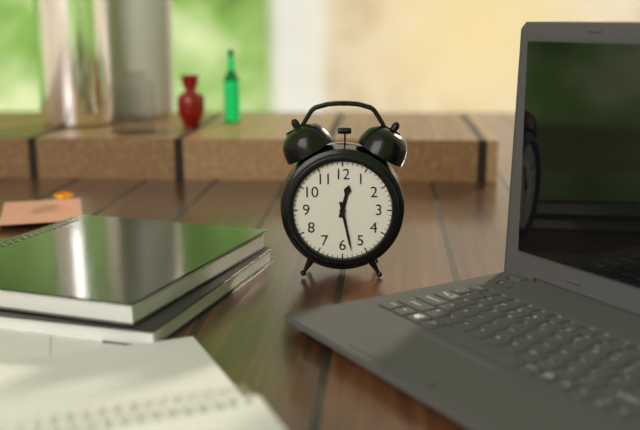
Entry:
**12:28**
